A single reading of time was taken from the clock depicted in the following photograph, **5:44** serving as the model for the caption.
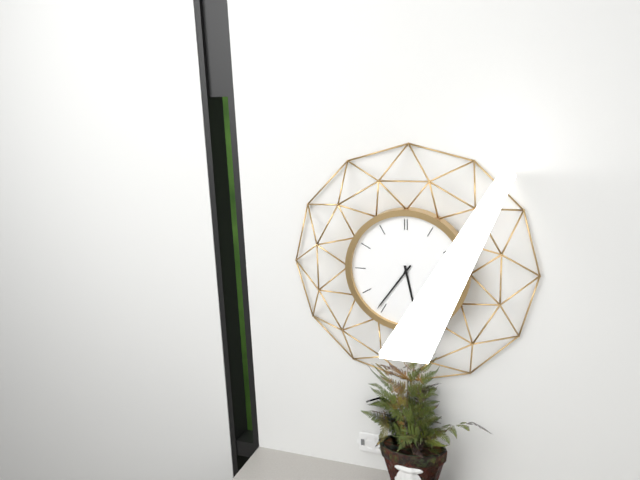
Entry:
**5:36**
